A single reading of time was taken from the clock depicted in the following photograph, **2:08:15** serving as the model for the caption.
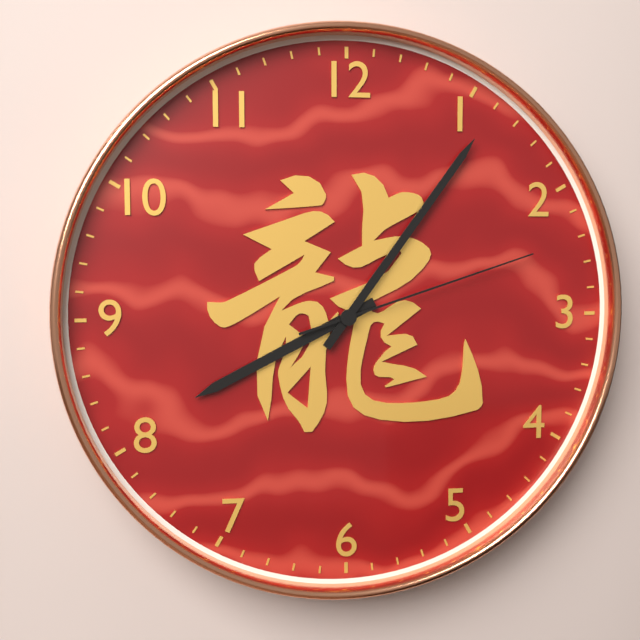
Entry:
**8:06:12**
